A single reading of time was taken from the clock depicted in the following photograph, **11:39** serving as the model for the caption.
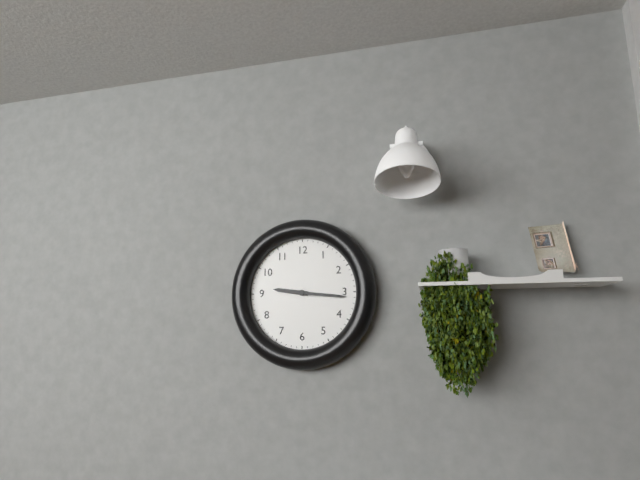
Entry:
**9:16**
